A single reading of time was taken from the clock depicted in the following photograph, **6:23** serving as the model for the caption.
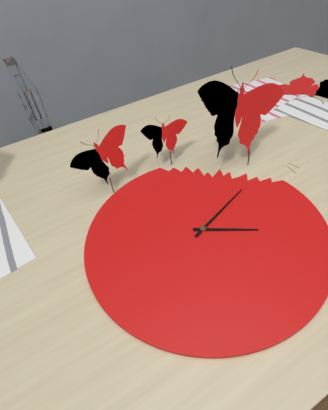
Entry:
**4:12**
